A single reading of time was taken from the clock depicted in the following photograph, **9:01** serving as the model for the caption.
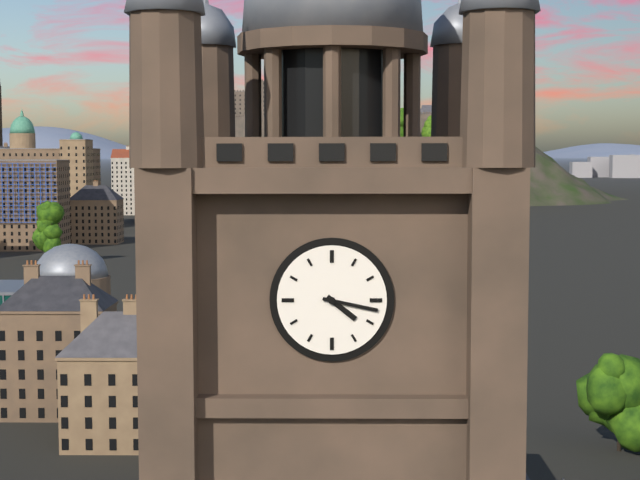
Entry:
**4:17**
